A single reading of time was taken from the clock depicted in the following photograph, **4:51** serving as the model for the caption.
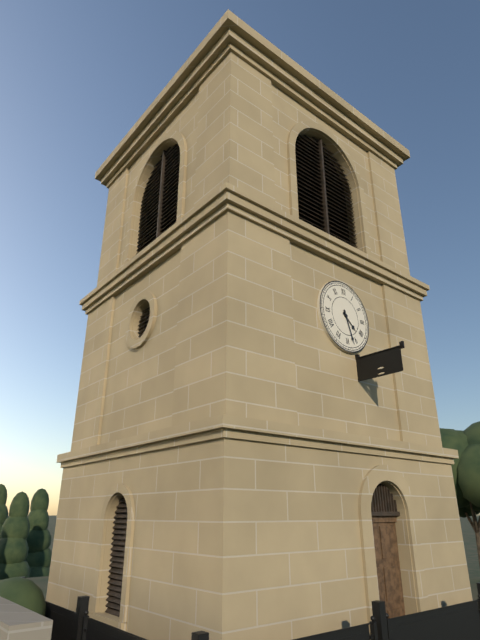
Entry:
**4:27**
